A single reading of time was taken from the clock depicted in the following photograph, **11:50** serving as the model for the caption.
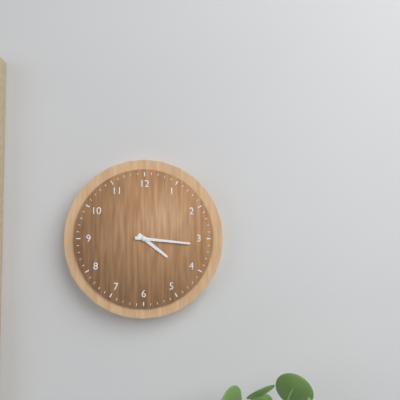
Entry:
**4:16**
